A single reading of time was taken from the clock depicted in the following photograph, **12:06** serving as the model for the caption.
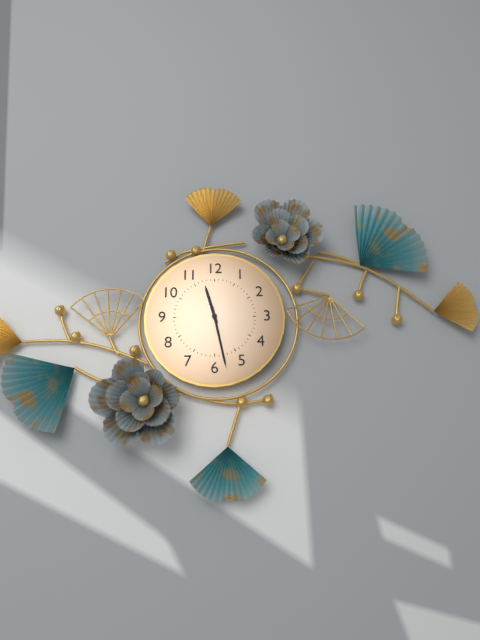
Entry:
**11:28**
